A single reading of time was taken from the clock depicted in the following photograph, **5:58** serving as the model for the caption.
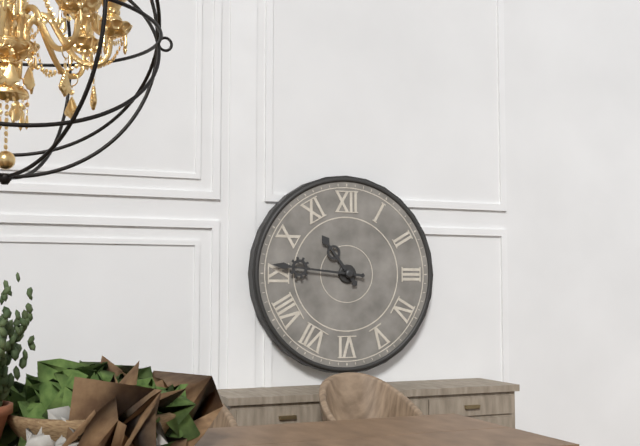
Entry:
**10:46**
